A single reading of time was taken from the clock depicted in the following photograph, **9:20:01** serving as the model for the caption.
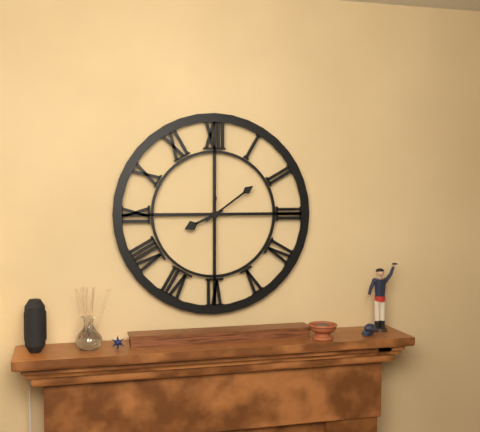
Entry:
**8:09:30**
